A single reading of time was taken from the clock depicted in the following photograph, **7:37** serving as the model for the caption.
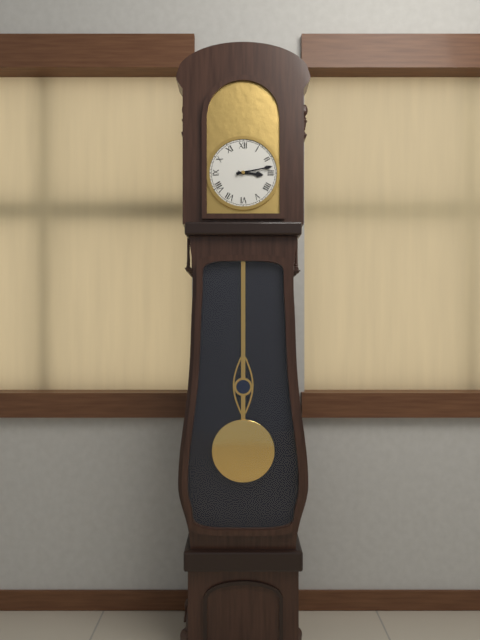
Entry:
**3:13**
